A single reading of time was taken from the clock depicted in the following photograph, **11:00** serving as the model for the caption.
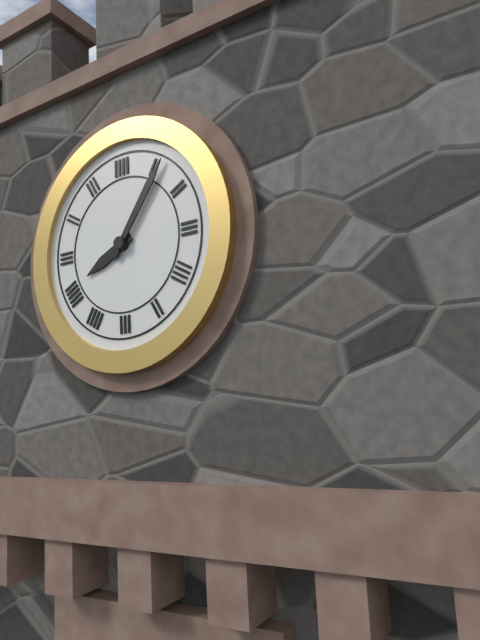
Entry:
**8:06**
